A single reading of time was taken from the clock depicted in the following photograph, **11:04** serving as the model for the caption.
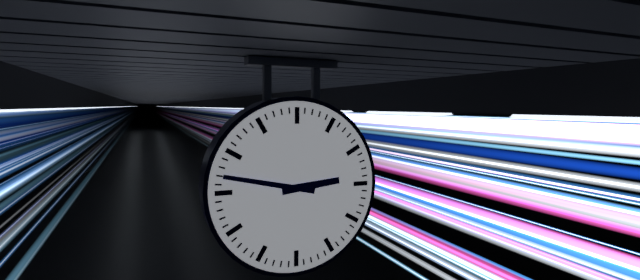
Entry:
**2:47**
